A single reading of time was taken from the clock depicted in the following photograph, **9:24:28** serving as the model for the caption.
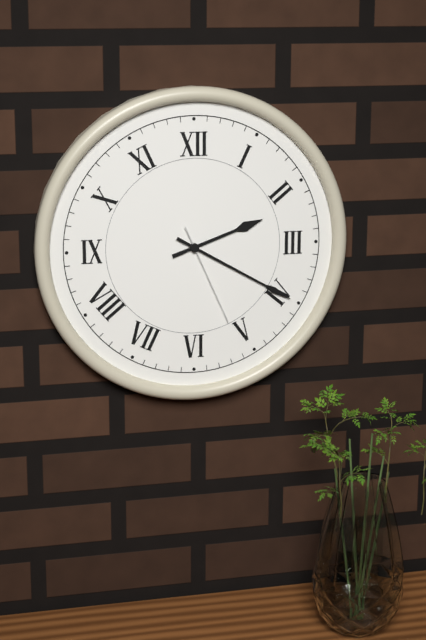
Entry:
**2:20:26**
